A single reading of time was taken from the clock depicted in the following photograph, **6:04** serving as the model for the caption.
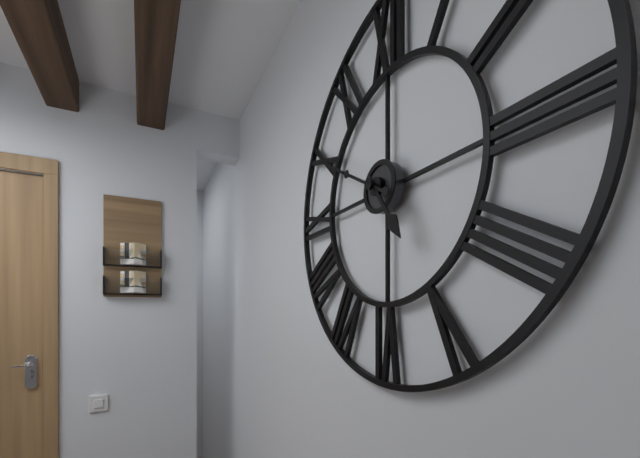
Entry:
**4:50**
